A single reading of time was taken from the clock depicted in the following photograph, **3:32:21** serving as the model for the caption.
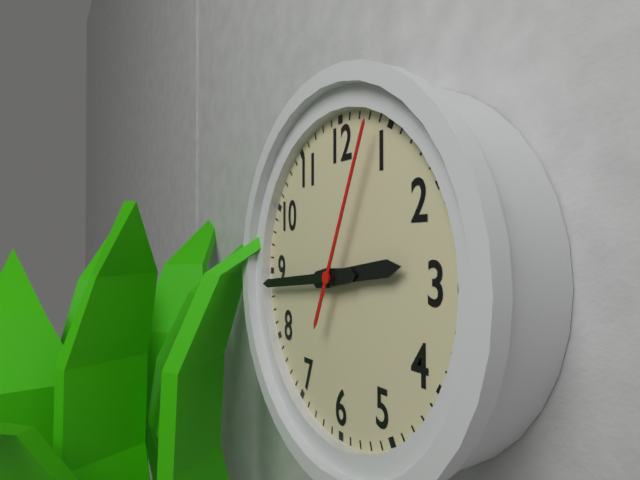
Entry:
**2:44:04**
